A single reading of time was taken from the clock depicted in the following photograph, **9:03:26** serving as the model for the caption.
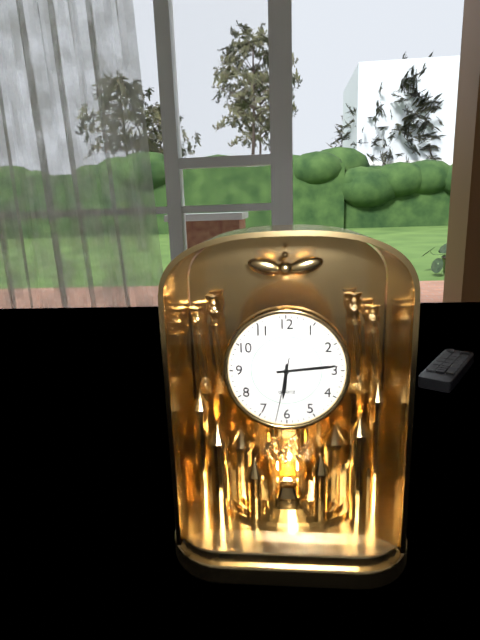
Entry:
**6:14:32**
